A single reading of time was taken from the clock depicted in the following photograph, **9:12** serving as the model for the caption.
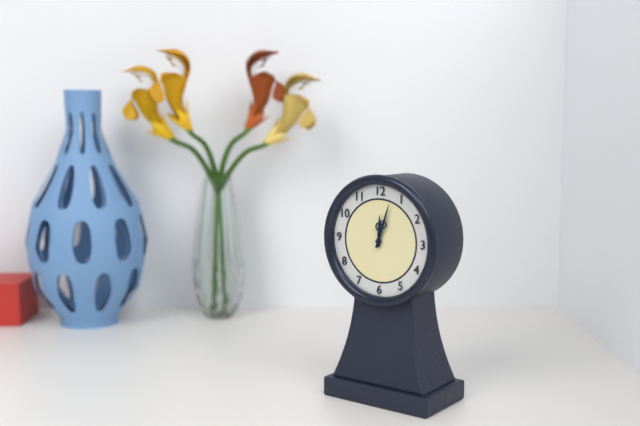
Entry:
**12:03**
